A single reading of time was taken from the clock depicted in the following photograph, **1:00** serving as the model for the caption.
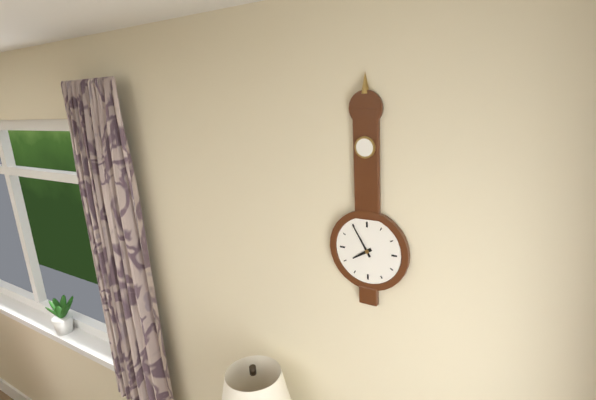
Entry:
**7:55**
